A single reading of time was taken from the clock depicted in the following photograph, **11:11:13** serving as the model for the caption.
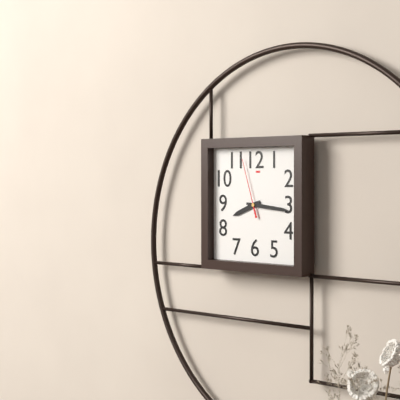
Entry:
**8:16:57**
